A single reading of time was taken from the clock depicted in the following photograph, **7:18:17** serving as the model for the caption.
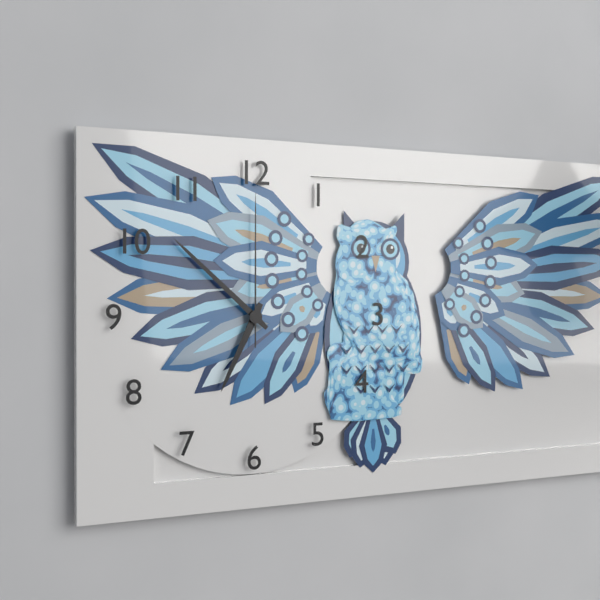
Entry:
**6:52:00**
